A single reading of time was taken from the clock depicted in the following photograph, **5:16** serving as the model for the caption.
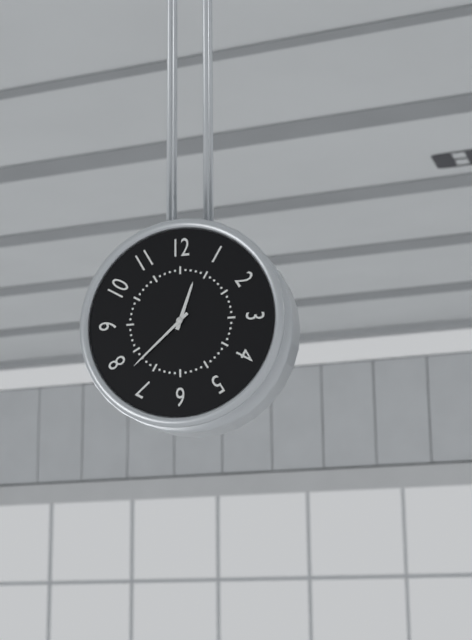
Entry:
**12:38**
